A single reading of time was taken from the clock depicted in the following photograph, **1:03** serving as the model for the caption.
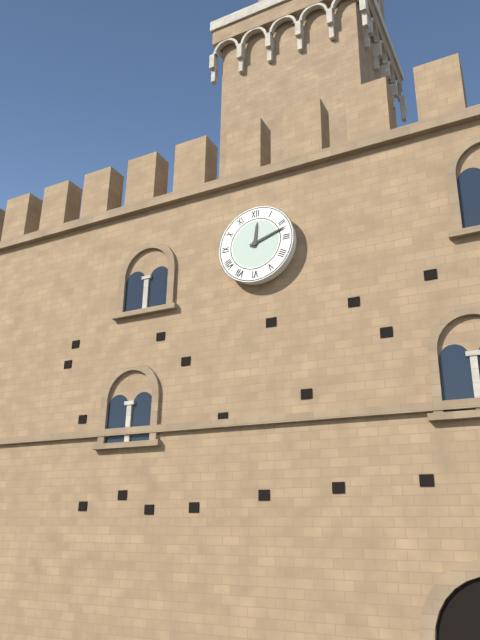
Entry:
**12:12**
